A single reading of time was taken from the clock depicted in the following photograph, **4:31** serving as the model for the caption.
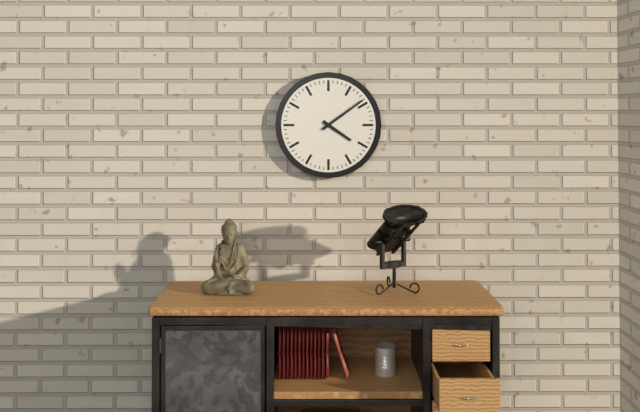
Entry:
**4:09**
